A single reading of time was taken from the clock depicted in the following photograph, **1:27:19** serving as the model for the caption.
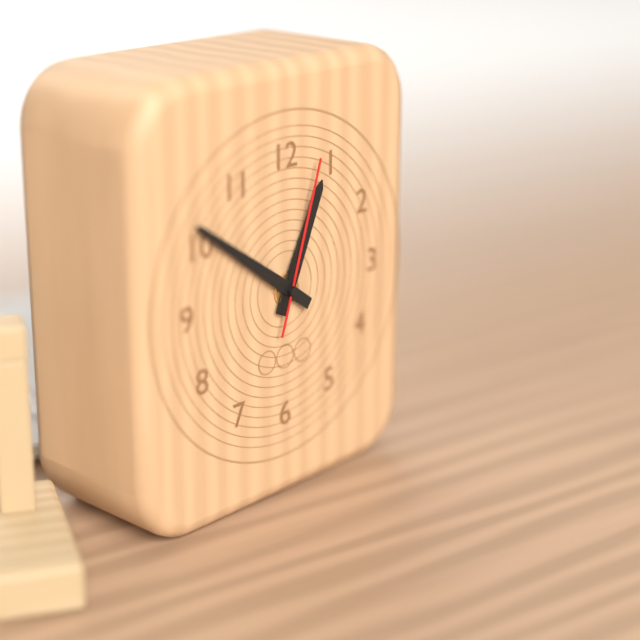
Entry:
**12:51:03**
